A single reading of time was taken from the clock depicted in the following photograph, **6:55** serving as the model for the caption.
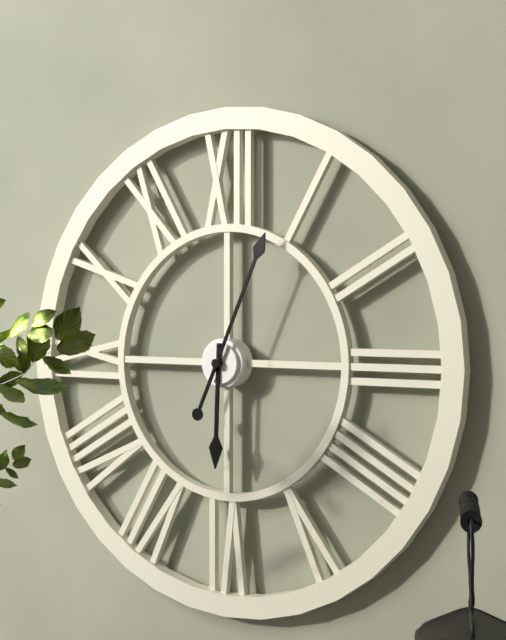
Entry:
**6:04**
